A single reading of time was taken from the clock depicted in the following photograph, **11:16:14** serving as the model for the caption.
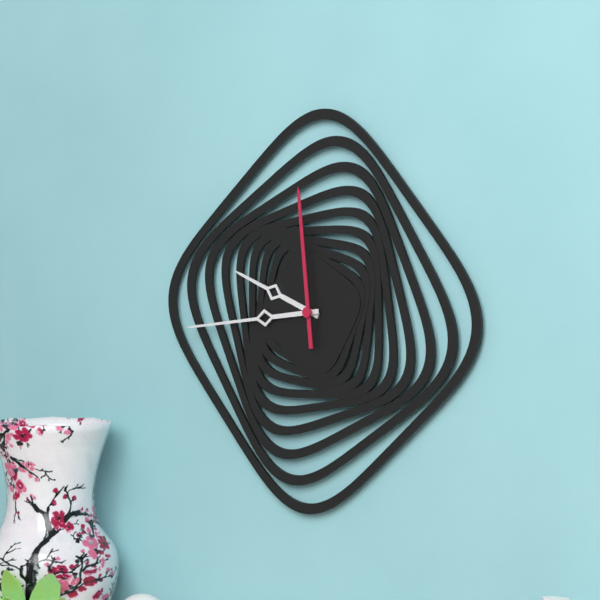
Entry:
**9:44:59**
